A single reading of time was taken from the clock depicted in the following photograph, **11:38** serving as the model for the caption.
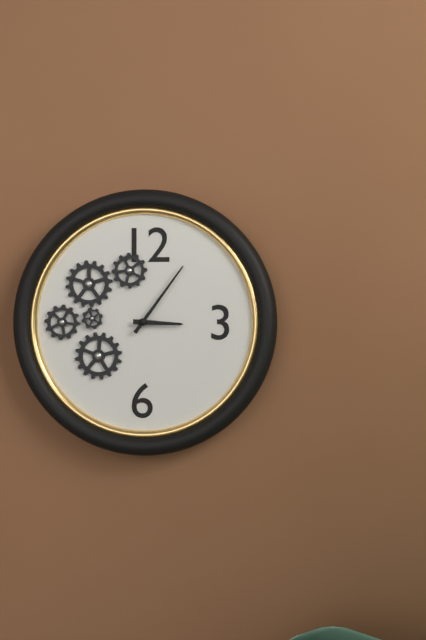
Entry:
**3:06**
